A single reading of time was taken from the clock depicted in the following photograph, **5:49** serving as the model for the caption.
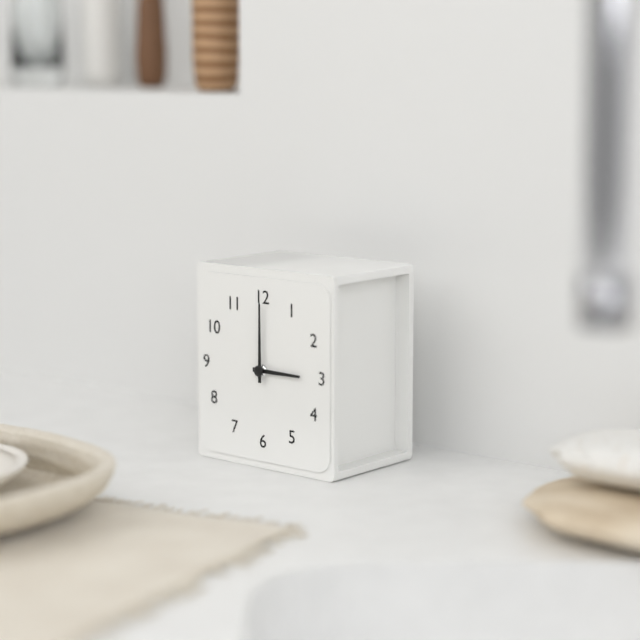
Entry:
**3:00**
